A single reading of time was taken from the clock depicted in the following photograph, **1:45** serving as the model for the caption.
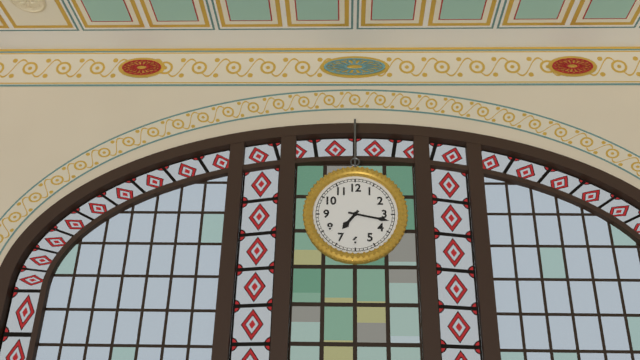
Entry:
**7:17**
